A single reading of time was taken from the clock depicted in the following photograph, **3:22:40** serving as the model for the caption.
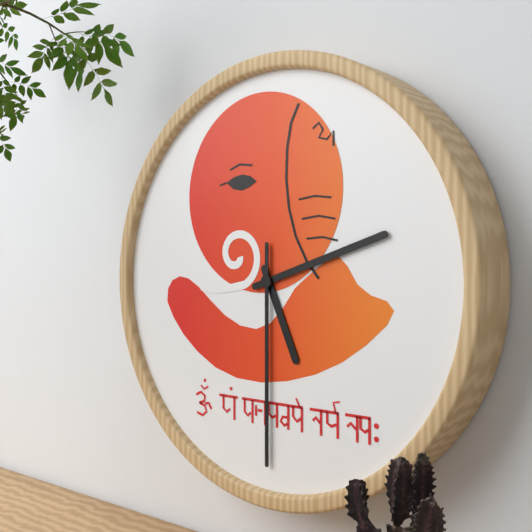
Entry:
**5:12:30**
